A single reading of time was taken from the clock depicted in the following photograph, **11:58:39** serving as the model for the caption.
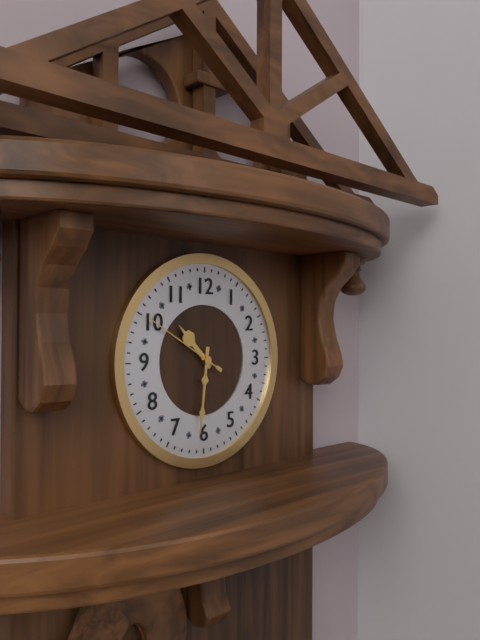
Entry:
**10:31:50**
